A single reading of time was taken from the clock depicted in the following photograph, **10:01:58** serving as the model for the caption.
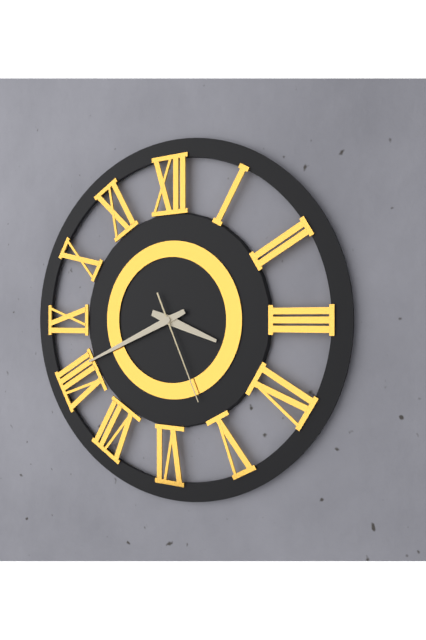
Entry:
**3:41:26**
